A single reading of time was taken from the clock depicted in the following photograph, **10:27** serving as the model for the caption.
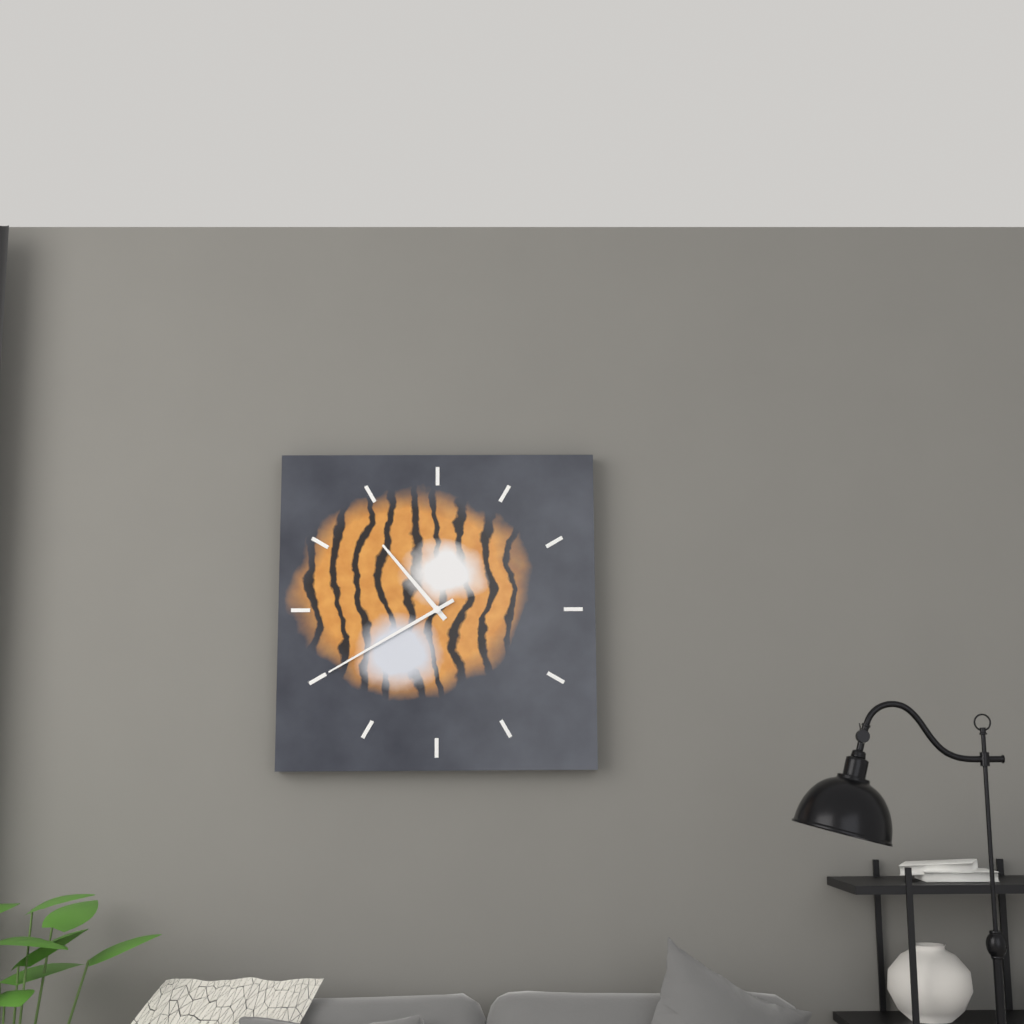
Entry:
**10:40**
